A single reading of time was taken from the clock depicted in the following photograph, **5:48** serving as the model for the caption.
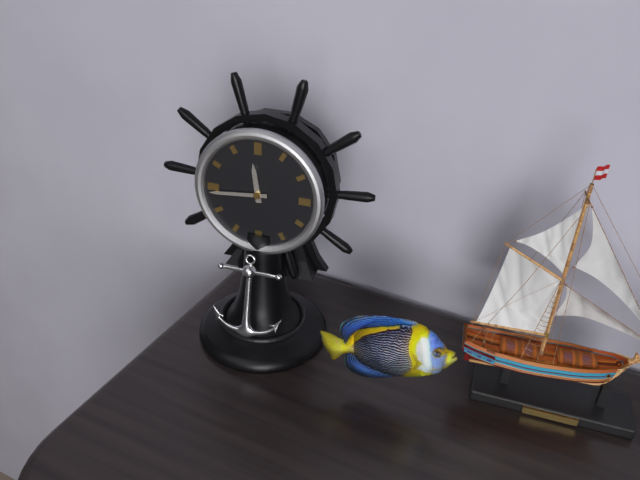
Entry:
**11:44**
